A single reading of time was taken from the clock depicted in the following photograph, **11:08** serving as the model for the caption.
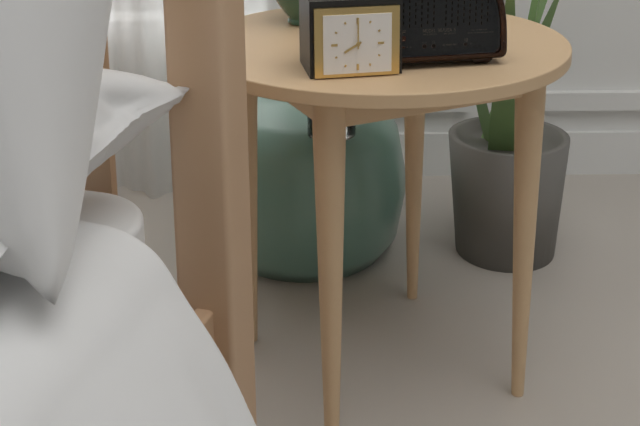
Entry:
**8:00**
